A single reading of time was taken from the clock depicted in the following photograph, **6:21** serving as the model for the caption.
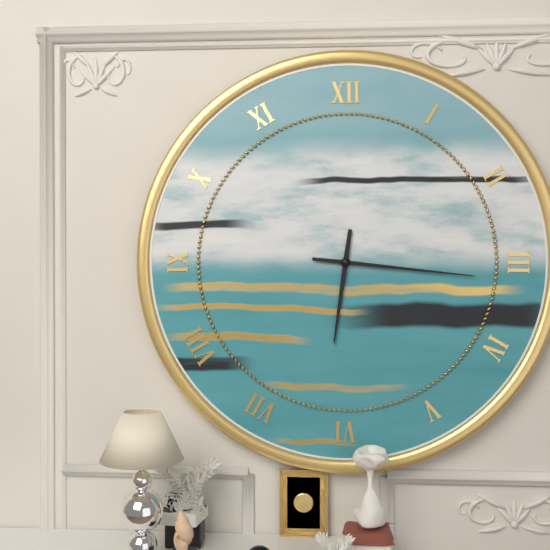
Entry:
**6:16**
